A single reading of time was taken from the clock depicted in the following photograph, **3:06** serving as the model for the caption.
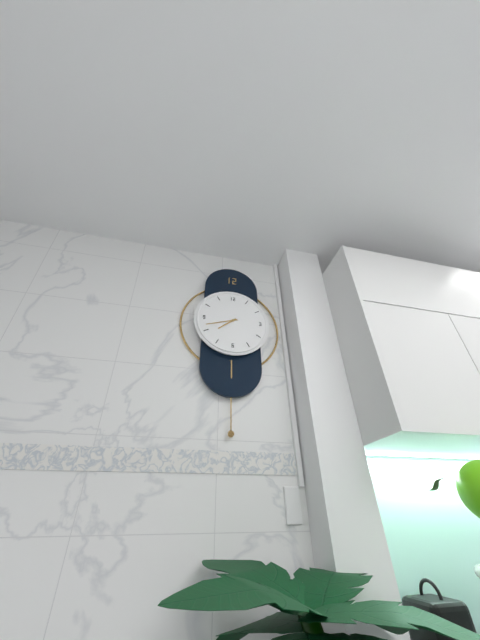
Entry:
**7:42**
